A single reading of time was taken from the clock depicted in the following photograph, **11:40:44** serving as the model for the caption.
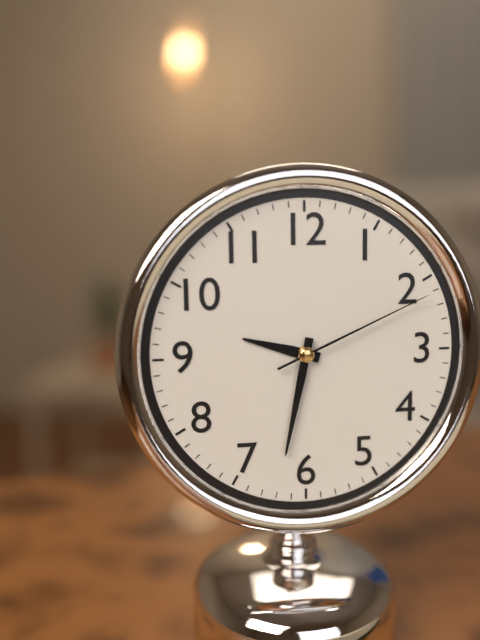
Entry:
**9:32:11**
